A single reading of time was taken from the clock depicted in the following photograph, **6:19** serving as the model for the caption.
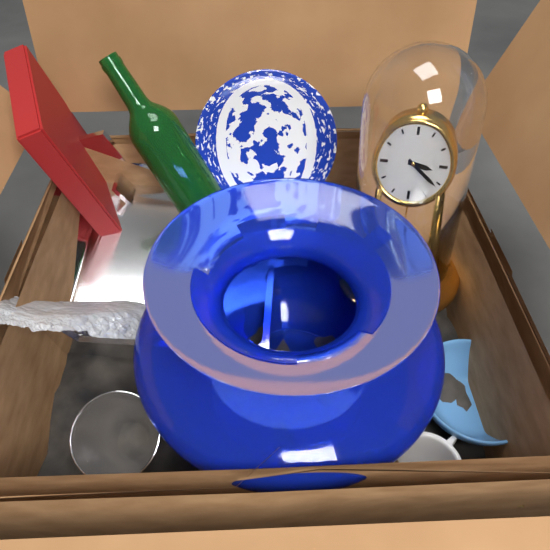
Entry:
**3:21**
